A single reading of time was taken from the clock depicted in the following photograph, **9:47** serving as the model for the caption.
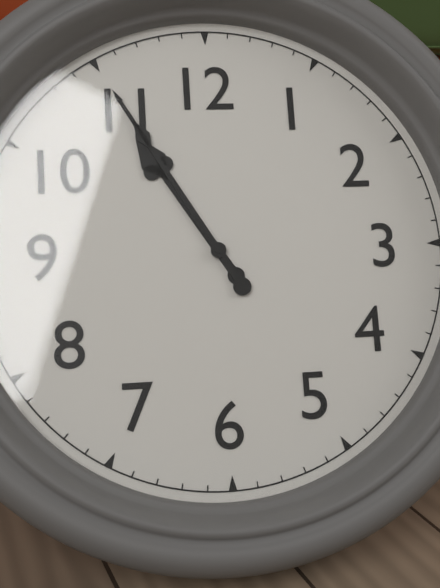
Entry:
**10:55**
